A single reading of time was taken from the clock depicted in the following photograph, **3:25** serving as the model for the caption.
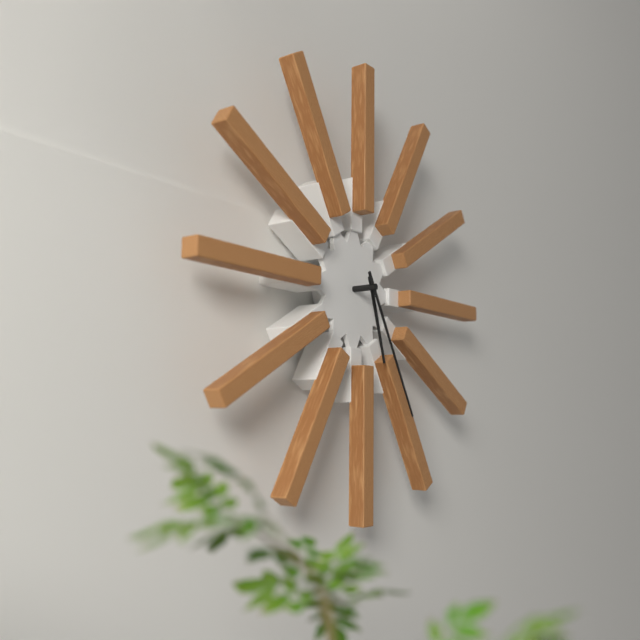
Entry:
**5:25**
